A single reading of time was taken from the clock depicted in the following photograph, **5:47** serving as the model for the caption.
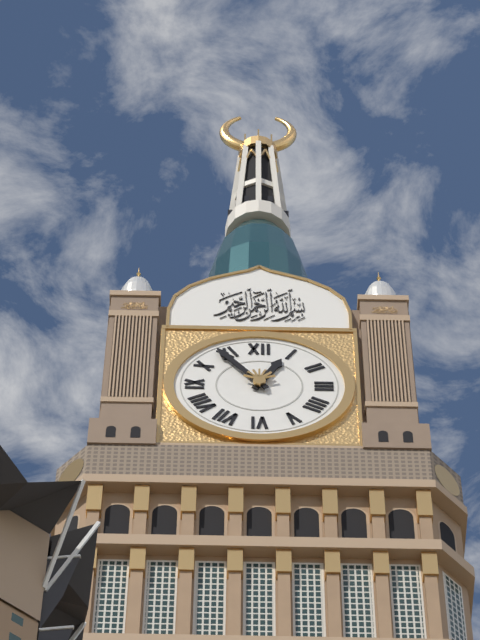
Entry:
**12:54**
